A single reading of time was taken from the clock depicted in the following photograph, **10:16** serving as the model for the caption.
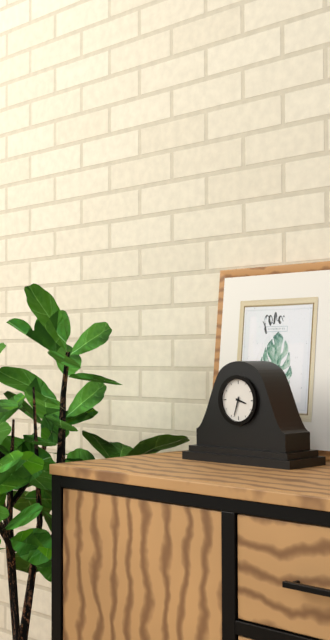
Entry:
**3:33**
